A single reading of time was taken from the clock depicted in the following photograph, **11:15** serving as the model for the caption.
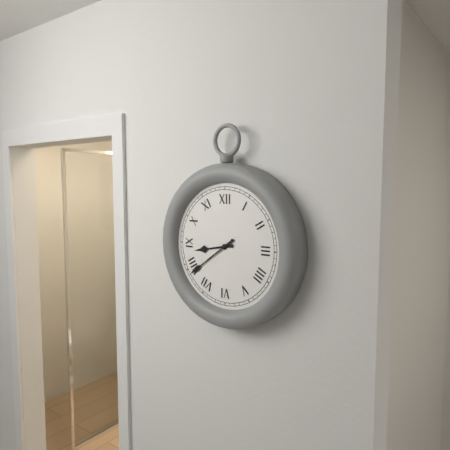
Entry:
**8:39**
